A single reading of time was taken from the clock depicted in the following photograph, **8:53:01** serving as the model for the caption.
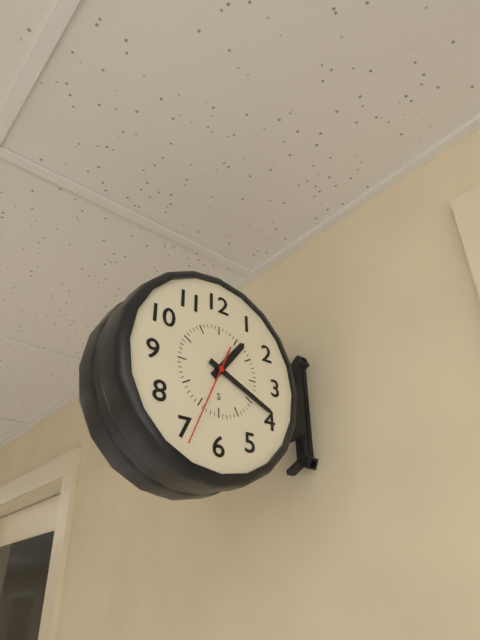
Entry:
**1:19:34**
